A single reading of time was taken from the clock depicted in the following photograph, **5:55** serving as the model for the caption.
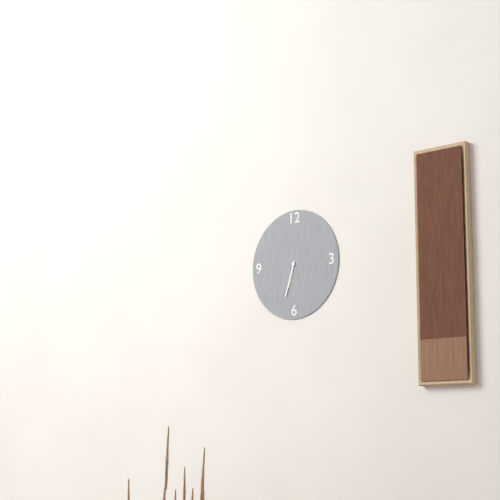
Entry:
**6:33**
